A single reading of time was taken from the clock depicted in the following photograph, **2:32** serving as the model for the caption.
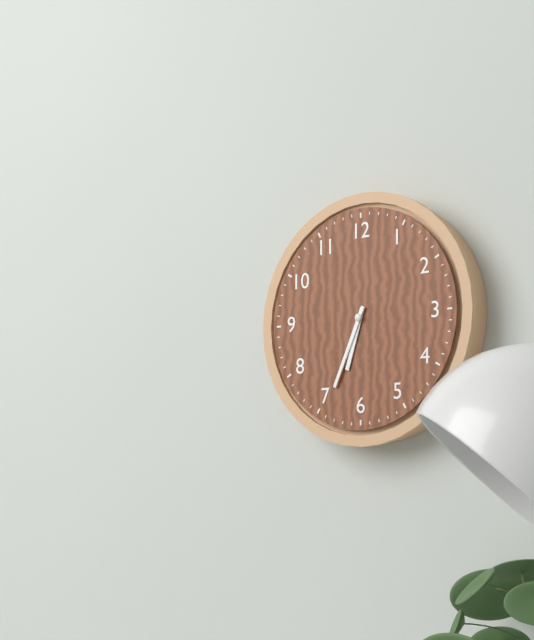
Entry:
**6:34**
